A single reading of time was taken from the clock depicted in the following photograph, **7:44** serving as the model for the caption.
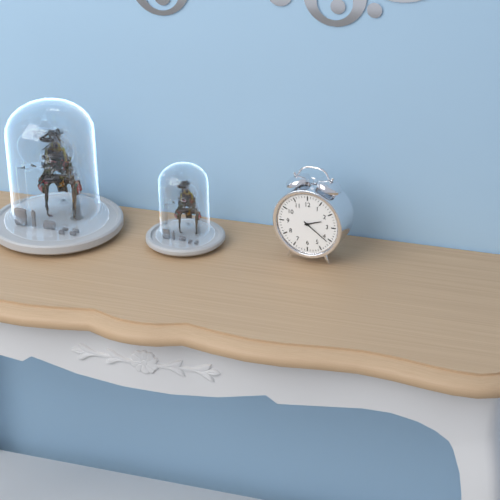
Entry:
**2:21**
